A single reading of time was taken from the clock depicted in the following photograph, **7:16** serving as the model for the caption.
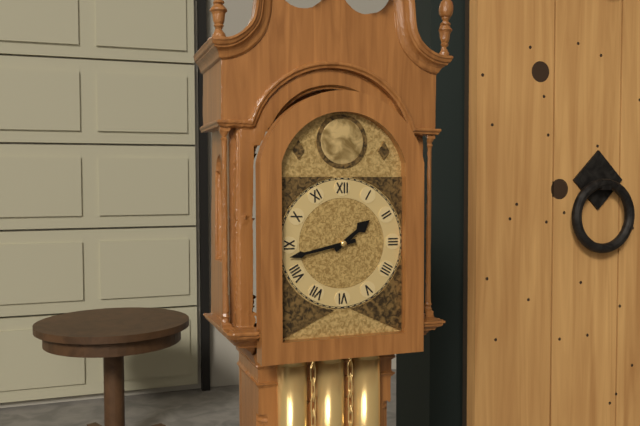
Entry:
**1:43**
